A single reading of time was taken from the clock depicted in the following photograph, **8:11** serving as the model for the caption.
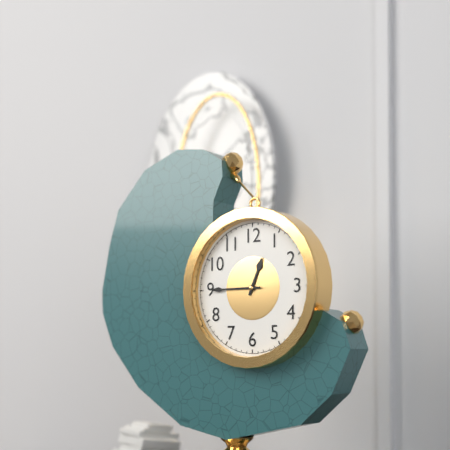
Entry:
**12:45**
